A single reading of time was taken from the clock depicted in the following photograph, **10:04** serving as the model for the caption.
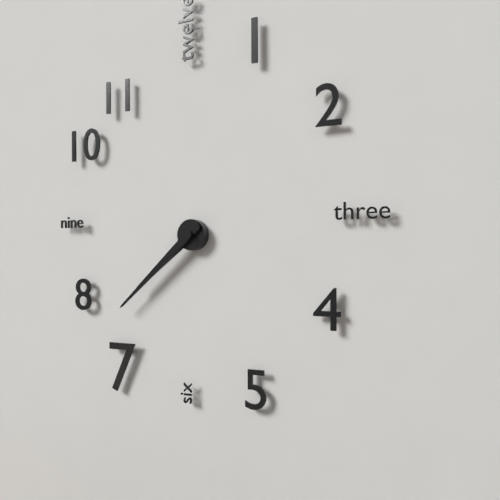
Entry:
**7:38**
